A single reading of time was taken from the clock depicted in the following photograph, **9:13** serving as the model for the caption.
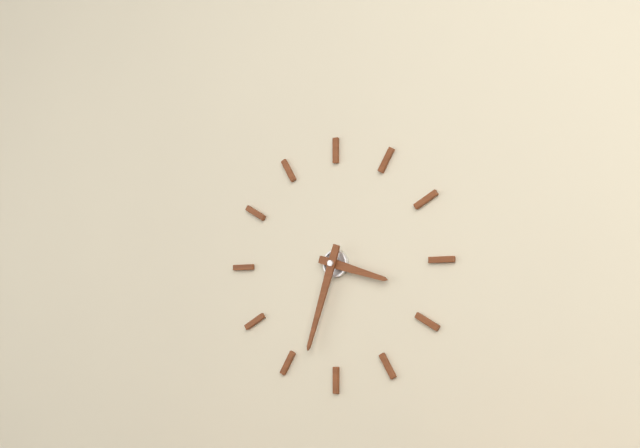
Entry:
**3:33**
